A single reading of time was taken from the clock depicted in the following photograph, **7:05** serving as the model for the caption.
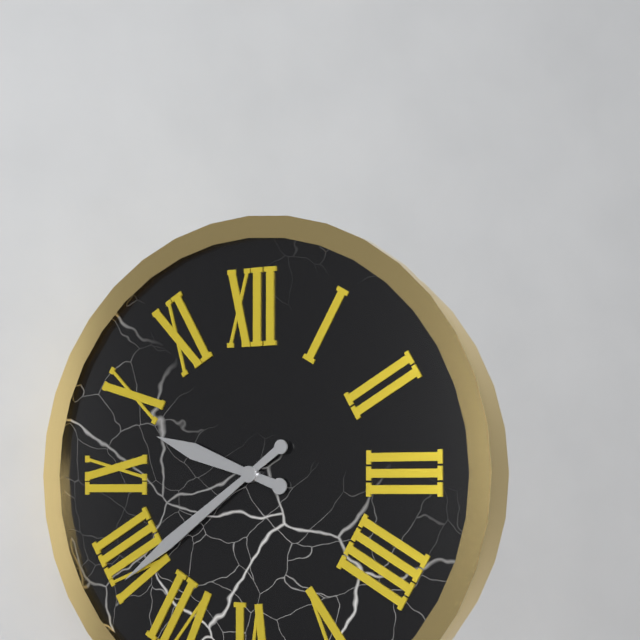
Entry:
**9:39**
